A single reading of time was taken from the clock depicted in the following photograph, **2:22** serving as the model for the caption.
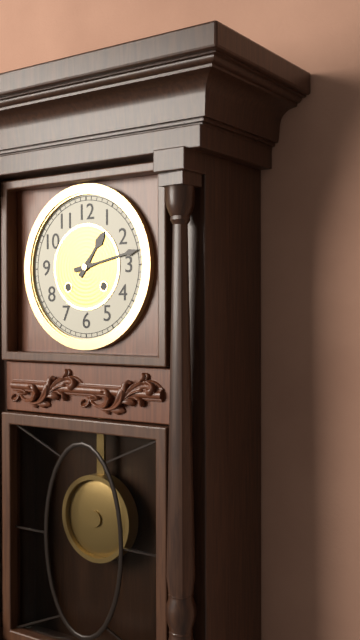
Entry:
**1:13**
